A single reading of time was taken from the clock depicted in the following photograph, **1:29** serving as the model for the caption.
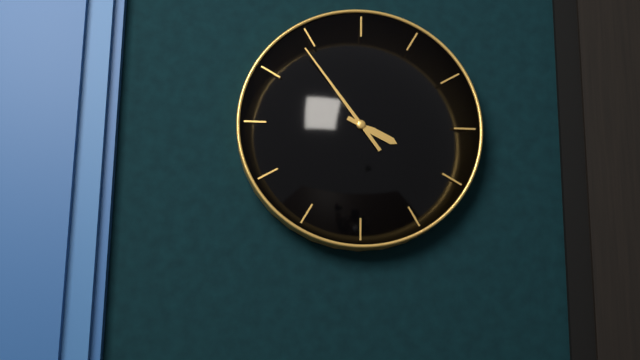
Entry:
**3:54**
